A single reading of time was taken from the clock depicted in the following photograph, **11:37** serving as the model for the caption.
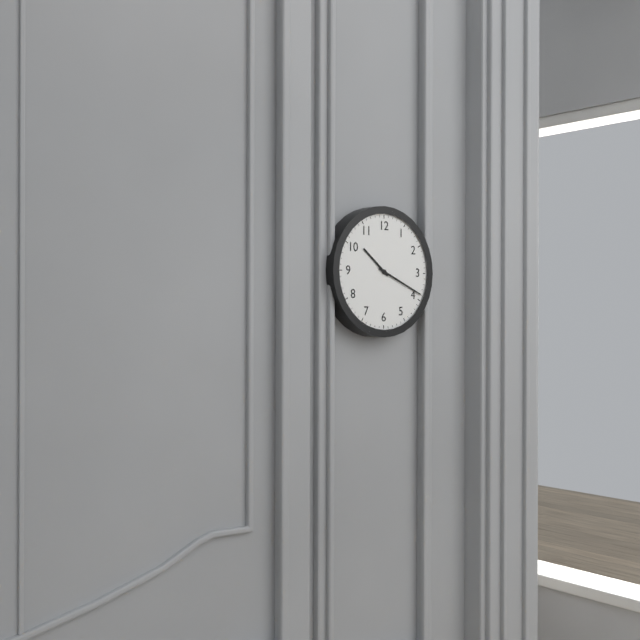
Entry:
**10:19**
